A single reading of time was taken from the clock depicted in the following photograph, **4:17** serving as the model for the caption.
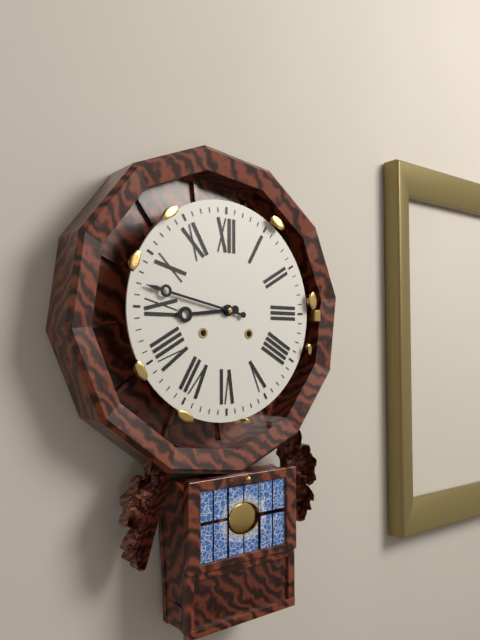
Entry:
**8:47**
